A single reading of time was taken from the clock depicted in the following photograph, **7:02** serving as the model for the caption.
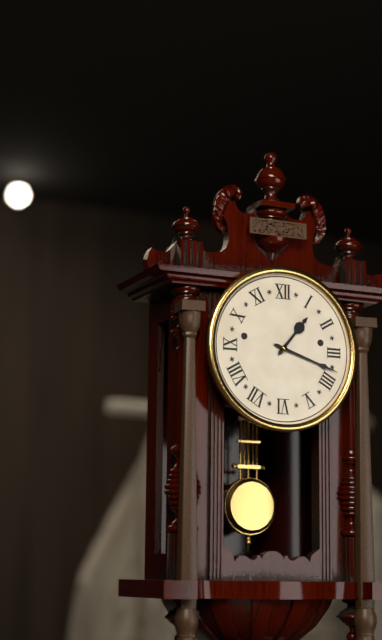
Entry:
**1:18**
